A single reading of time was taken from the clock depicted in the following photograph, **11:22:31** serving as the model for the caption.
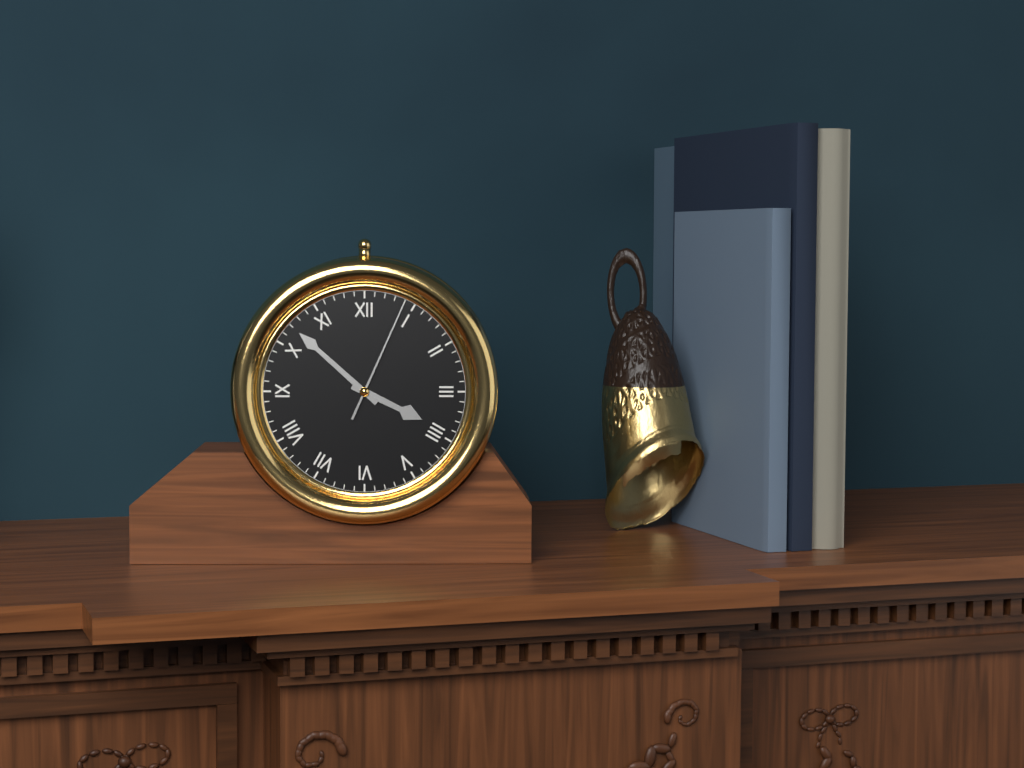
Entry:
**3:52:04**
